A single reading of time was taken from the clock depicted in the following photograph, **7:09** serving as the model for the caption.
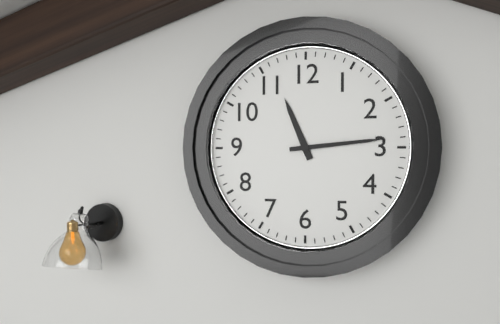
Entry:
**11:14**
